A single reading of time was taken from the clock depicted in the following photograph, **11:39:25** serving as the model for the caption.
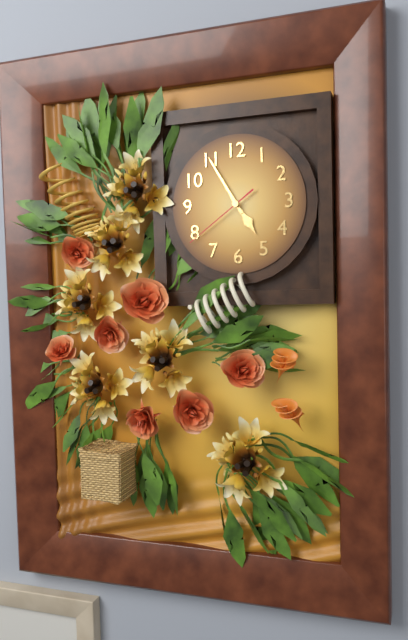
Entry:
**4:55:39**
